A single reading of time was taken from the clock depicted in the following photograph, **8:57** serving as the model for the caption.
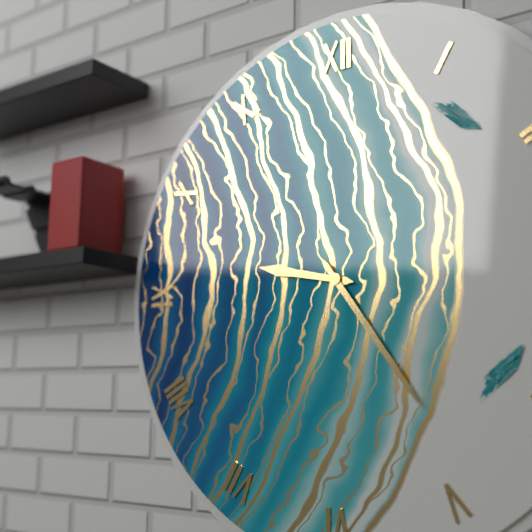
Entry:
**9:24**
